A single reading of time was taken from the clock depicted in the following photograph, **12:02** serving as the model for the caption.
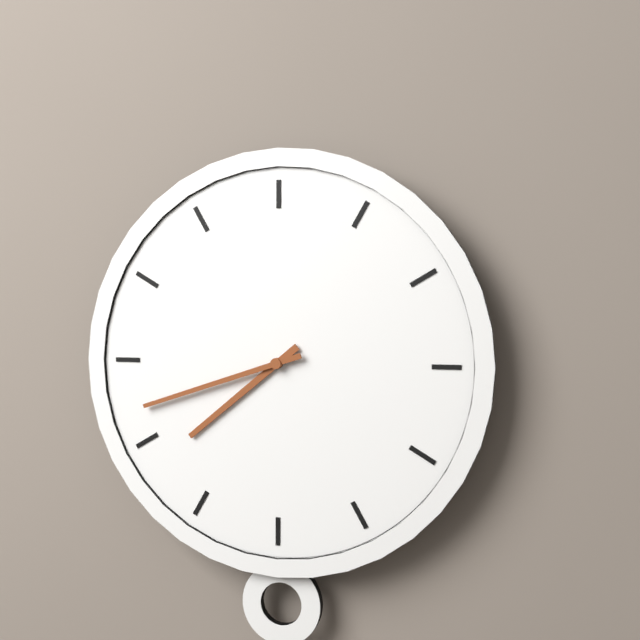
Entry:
**7:42**
